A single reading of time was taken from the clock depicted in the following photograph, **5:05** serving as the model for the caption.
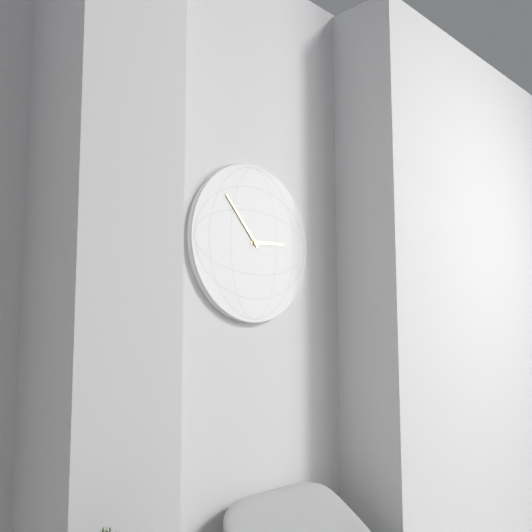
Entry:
**2:53**
